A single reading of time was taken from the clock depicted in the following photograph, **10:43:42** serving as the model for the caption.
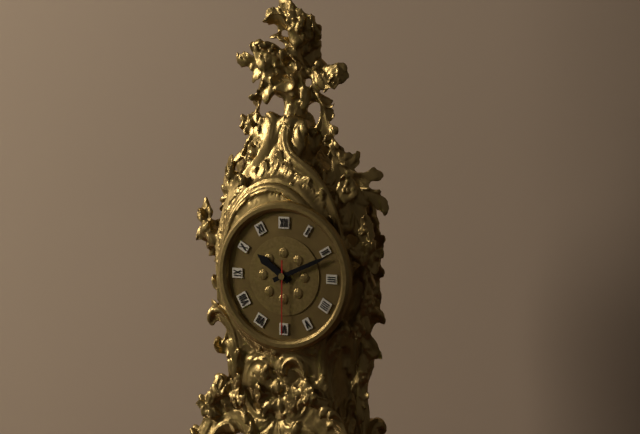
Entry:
**10:11:30**
